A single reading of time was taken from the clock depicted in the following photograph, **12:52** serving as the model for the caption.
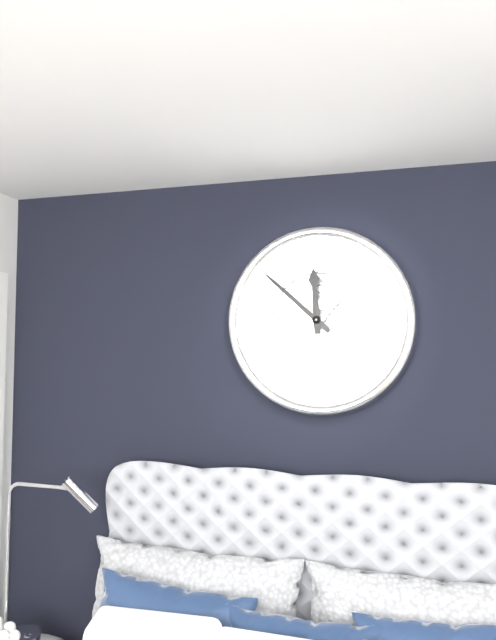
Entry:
**11:52**
